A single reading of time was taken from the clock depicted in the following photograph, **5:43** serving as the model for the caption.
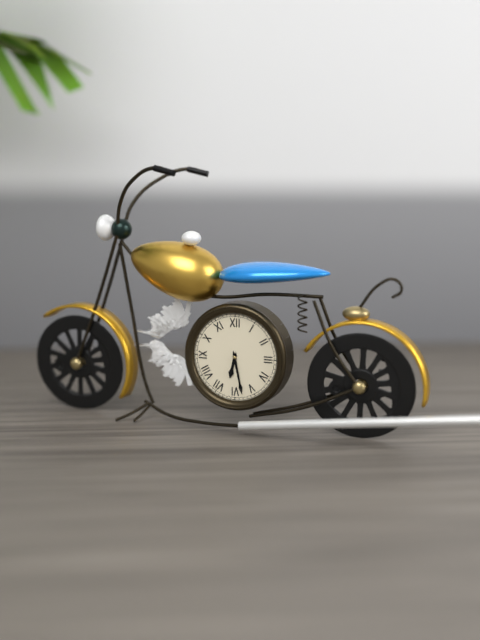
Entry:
**6:28**
